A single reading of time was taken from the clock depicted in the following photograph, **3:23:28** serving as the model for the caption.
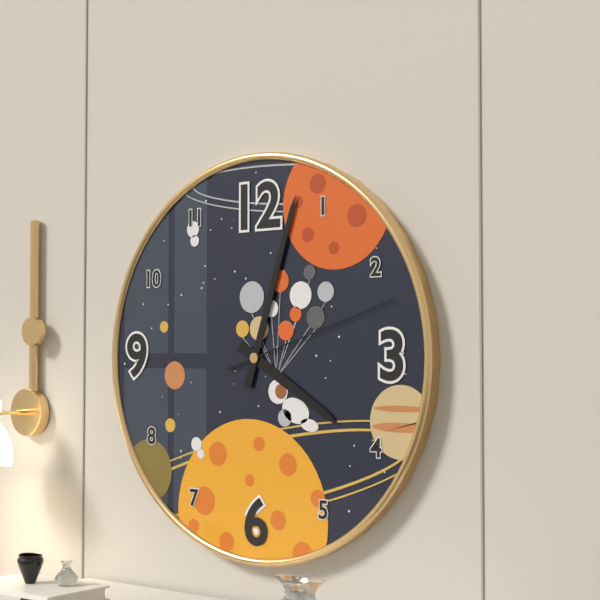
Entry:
**4:03:12**
